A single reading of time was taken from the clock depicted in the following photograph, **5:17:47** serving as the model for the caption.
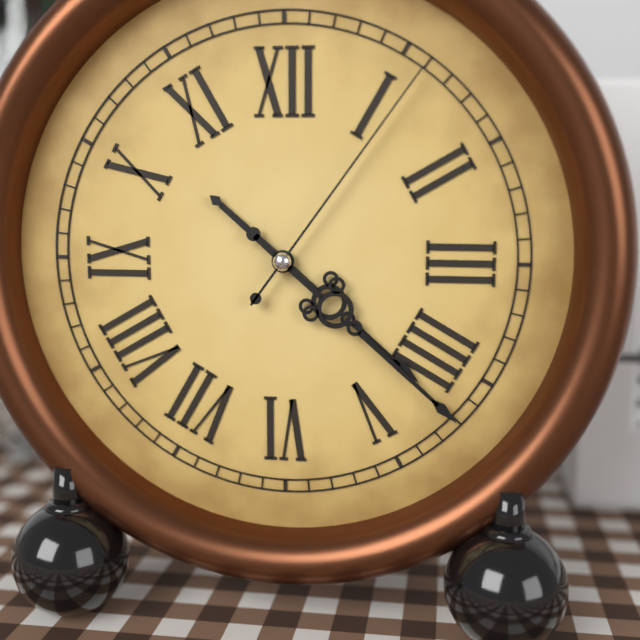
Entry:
**4:22:06**
